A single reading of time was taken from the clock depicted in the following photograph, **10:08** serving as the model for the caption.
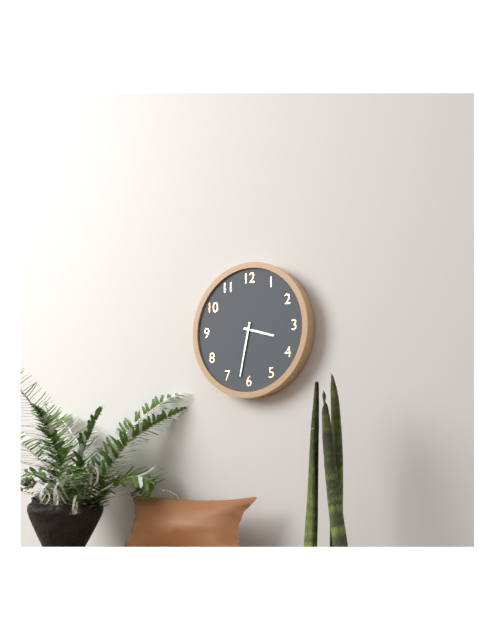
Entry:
**3:32**
